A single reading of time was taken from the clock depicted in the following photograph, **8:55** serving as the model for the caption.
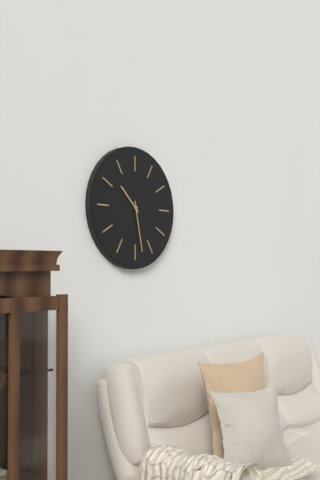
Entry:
**10:28**
